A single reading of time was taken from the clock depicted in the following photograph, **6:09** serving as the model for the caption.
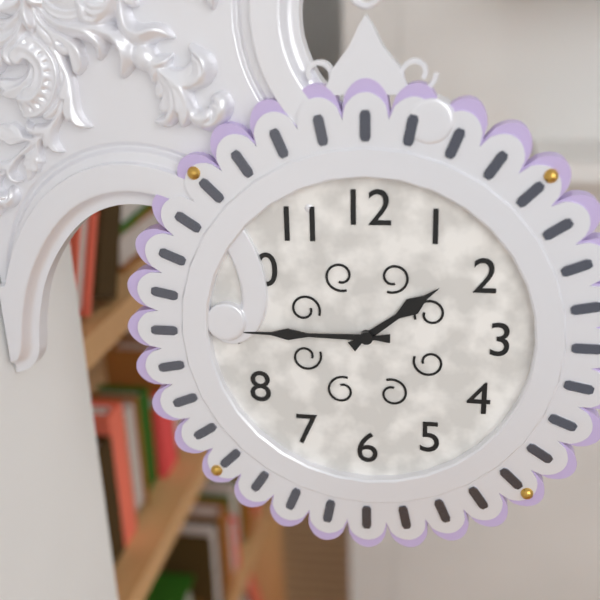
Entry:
**1:45**
